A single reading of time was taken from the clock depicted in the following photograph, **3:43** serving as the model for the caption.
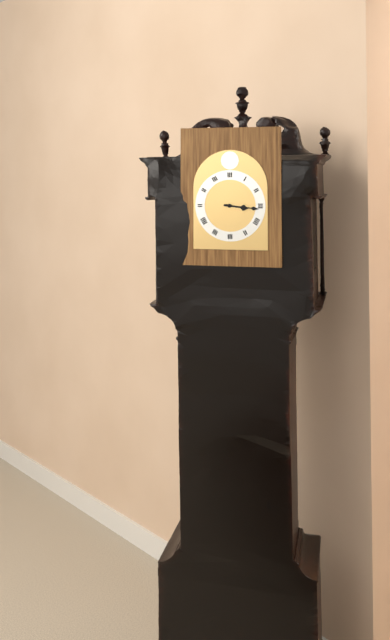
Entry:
**3:16**
